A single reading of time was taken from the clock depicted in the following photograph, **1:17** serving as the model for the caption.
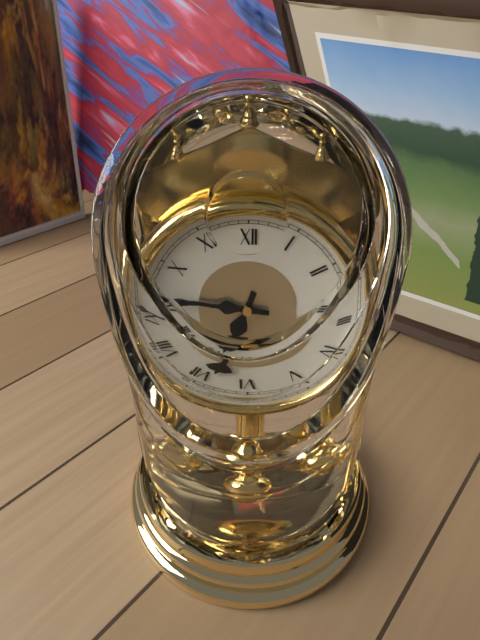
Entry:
**6:46**
